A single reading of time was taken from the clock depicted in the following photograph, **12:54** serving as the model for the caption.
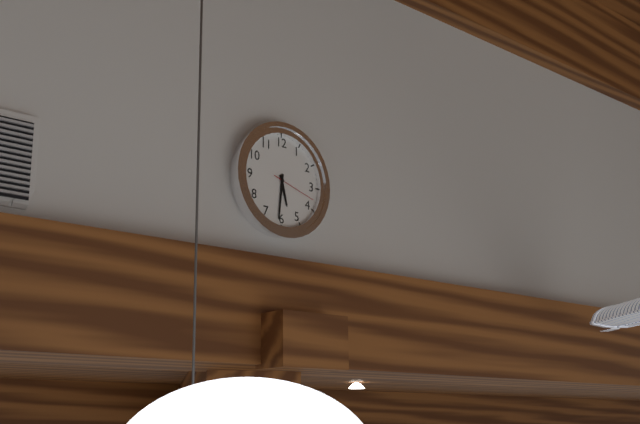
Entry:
**5:31**
